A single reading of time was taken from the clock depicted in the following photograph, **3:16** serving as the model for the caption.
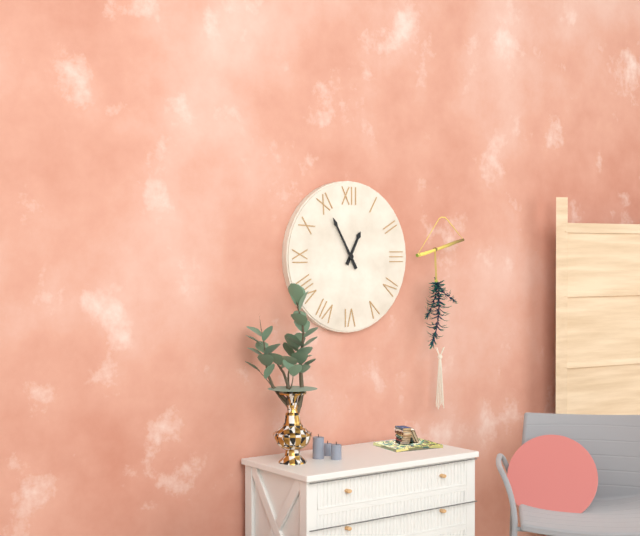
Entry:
**12:55**
